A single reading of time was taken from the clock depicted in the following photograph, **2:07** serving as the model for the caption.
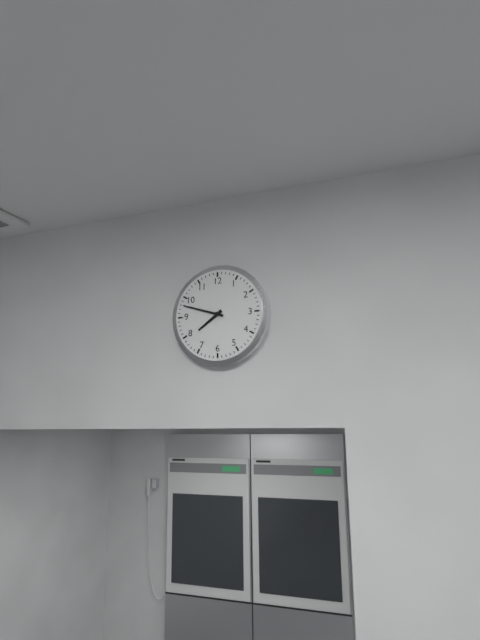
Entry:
**7:48**
